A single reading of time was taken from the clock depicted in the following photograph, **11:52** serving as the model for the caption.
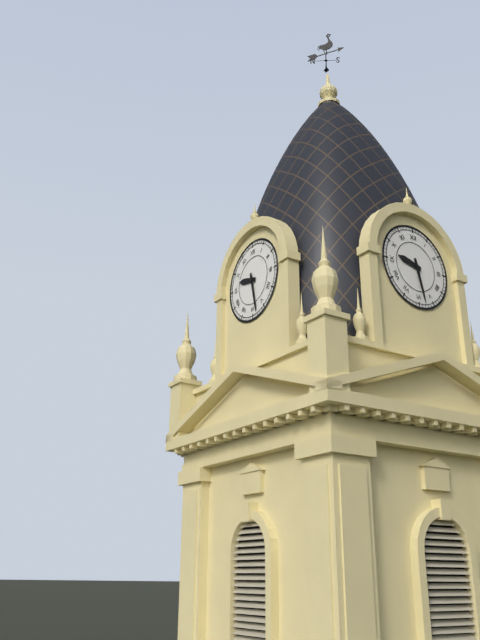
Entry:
**9:28**
